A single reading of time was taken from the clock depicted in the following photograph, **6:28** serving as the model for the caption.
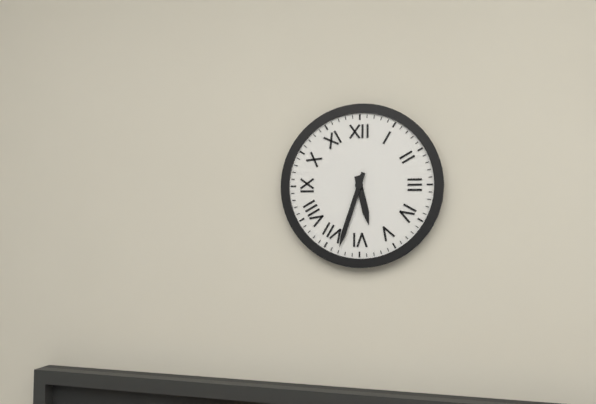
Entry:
**5:33**
